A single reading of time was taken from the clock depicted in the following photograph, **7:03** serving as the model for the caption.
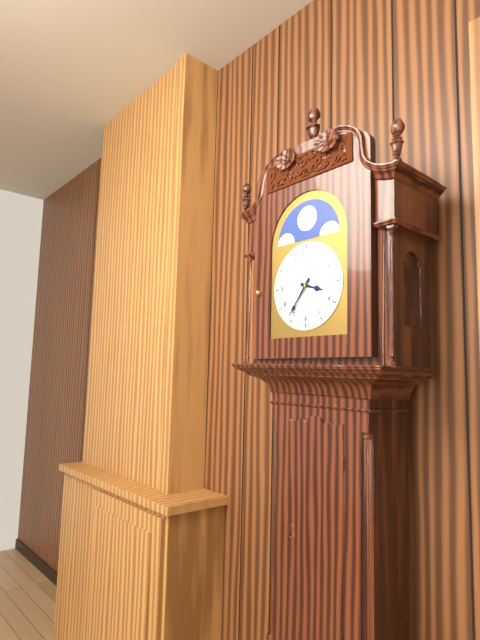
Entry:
**3:36**
